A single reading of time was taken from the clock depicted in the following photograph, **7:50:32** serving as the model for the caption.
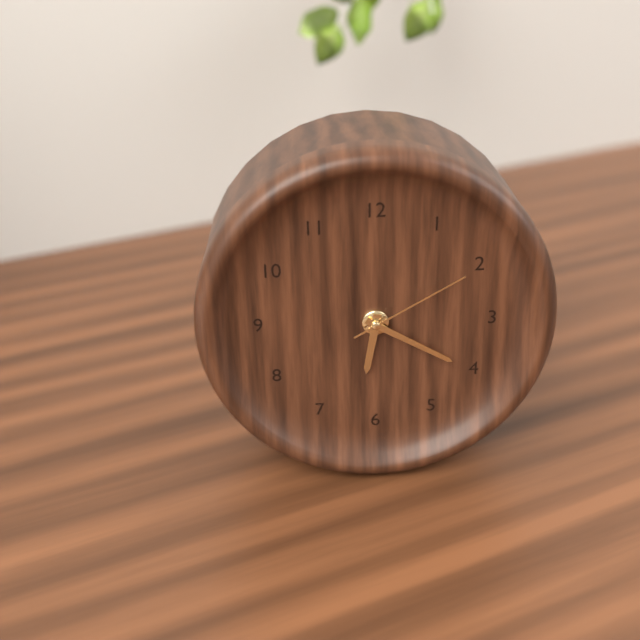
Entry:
**6:20:10**
